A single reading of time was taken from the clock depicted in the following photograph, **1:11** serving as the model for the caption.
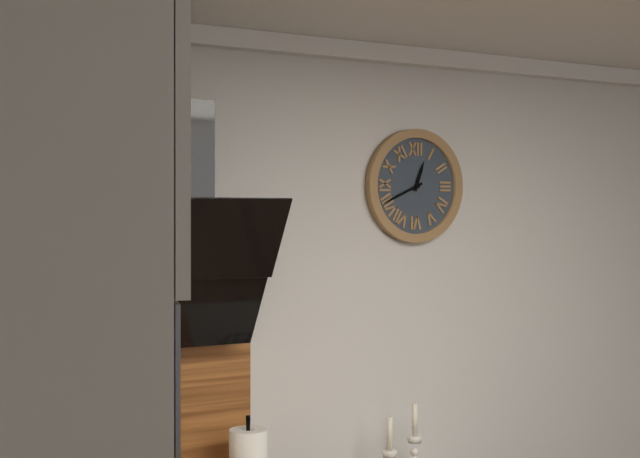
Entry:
**12:41**
